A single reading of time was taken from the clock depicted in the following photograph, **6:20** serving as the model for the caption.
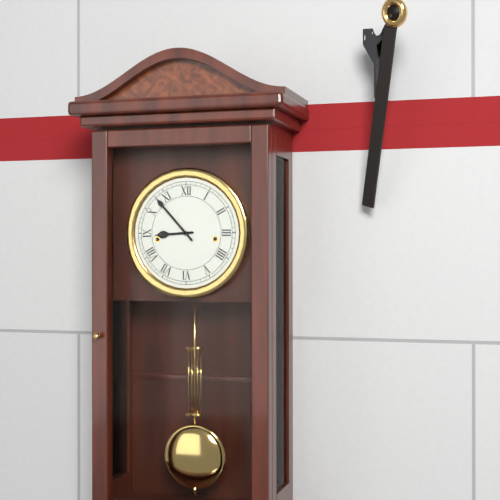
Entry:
**8:53**
